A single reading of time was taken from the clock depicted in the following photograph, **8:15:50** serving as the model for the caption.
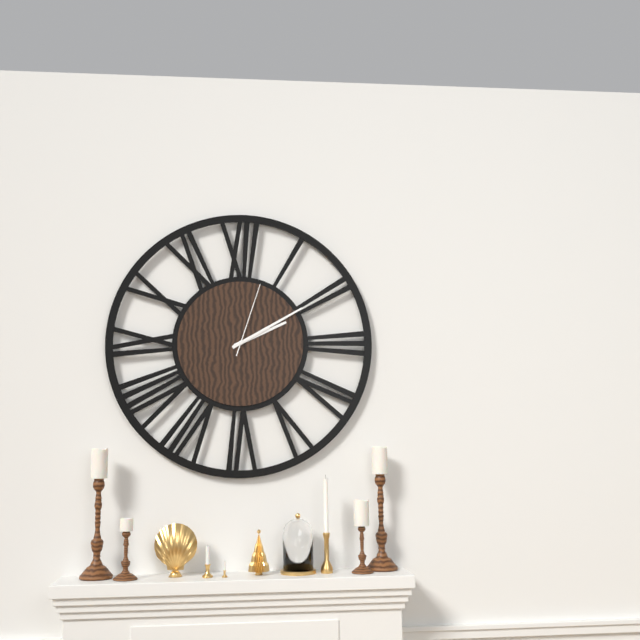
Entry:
**2:10:03**
